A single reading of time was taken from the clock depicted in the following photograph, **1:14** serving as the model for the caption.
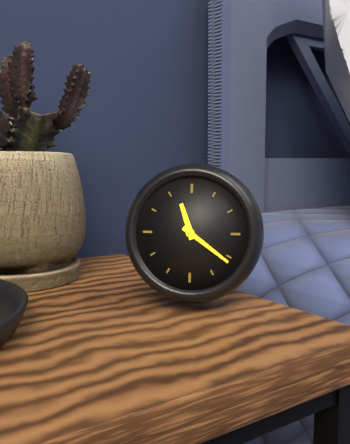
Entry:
**11:21**
